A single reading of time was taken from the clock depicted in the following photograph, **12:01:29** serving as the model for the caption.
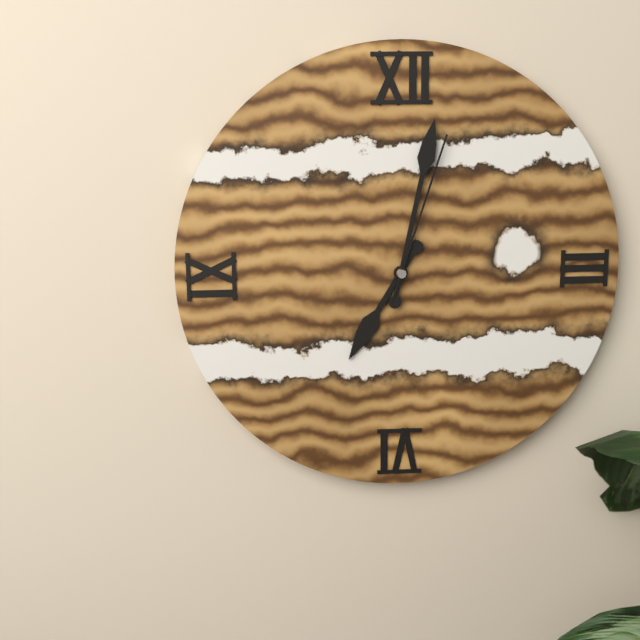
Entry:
**7:02:03**
